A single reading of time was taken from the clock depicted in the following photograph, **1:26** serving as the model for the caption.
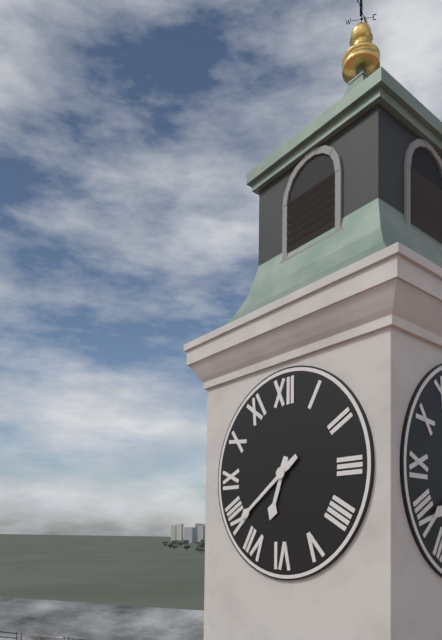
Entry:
**6:39**
